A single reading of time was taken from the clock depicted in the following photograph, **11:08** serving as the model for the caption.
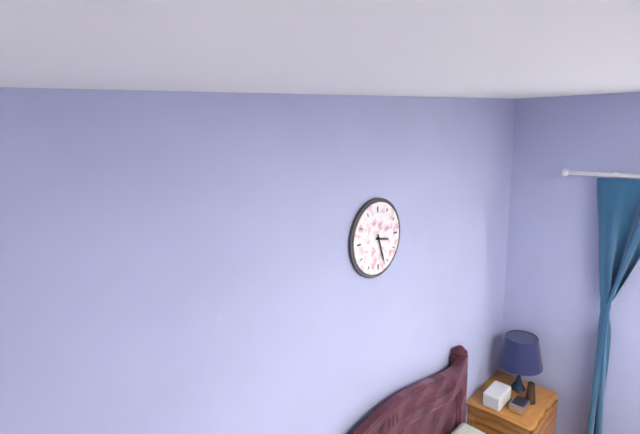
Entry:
**3:27**
